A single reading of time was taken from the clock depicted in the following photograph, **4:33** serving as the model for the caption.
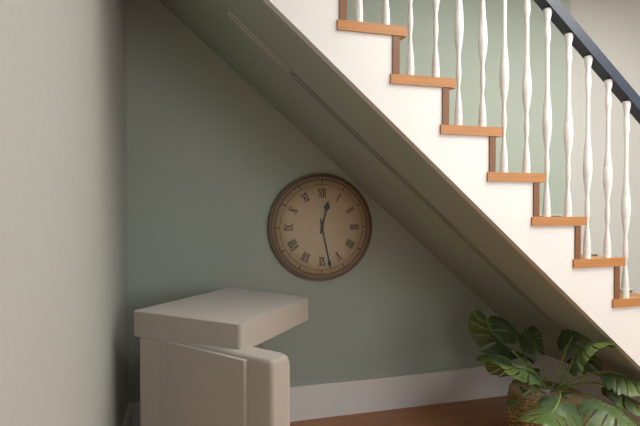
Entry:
**12:28**
